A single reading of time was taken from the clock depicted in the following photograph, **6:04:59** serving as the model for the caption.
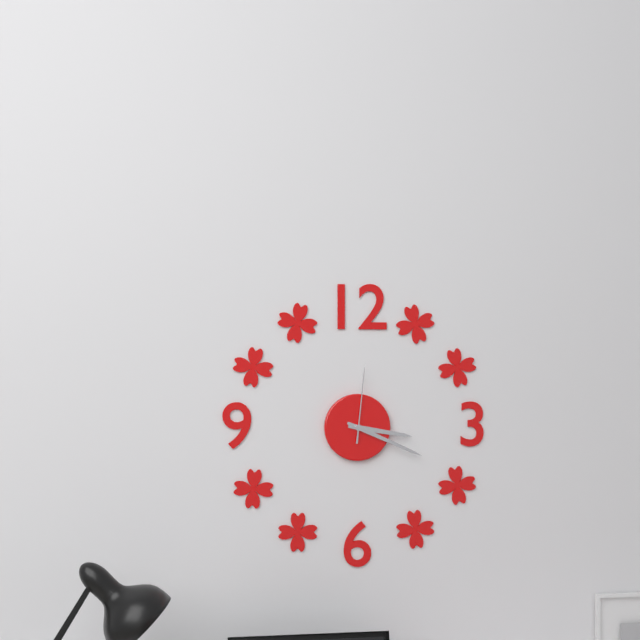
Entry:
**3:19:01**
